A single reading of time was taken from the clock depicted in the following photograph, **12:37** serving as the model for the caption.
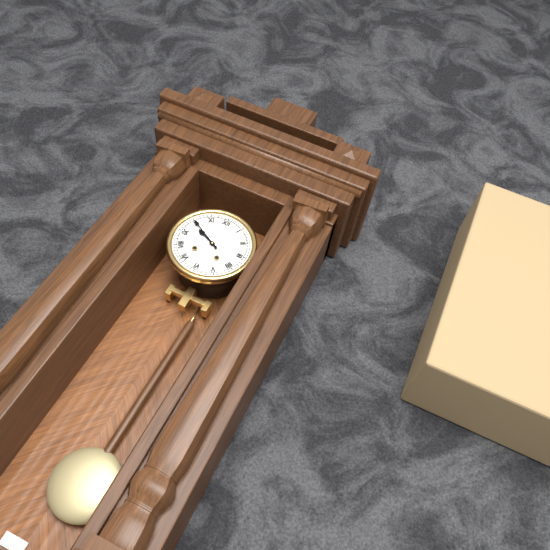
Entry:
**9:50**
